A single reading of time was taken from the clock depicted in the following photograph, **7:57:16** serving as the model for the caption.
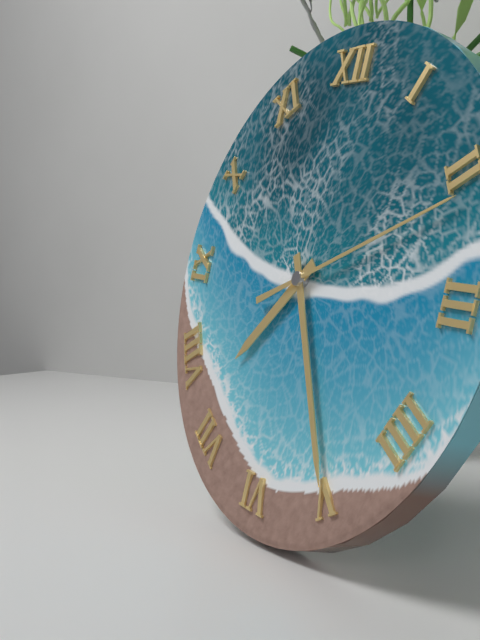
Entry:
**7:25:11**
